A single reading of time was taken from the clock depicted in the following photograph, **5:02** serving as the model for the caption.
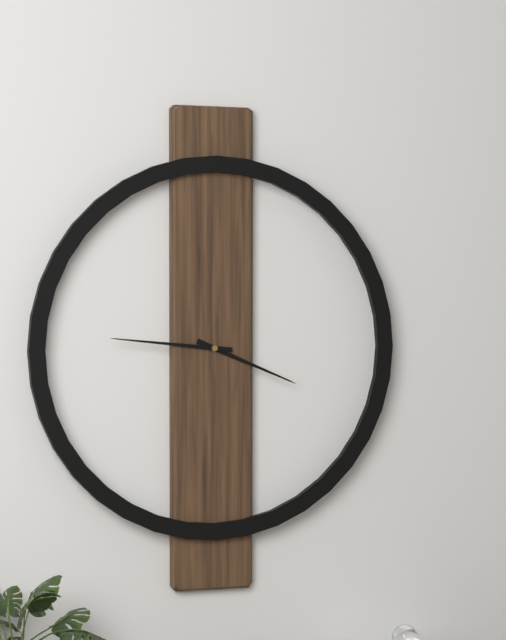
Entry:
**3:46**
